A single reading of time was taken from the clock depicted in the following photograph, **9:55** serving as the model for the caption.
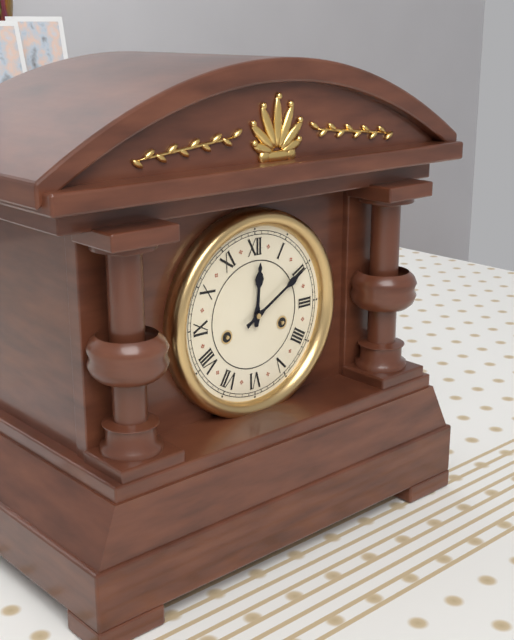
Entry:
**12:10**
